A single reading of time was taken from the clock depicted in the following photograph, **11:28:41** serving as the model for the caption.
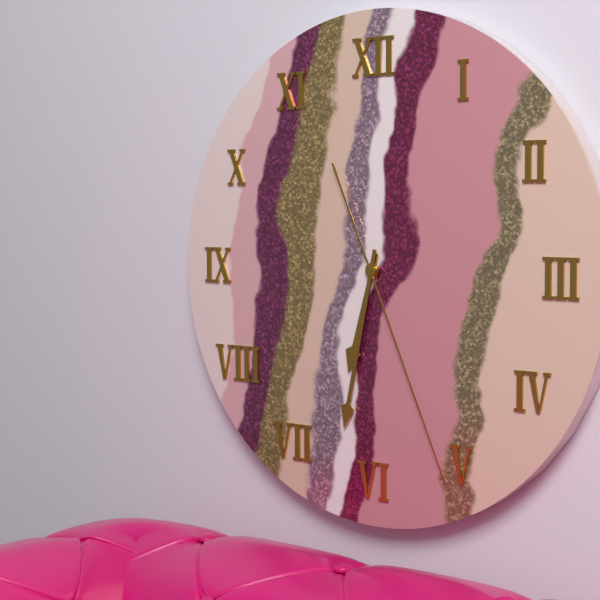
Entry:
**6:32:26**
